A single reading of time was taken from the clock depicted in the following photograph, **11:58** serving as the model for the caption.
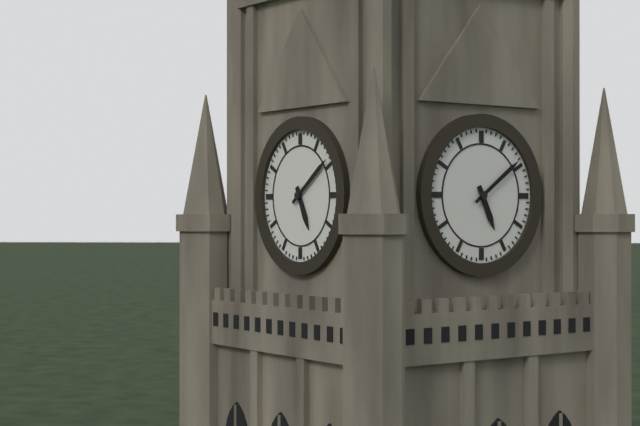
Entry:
**5:09**
